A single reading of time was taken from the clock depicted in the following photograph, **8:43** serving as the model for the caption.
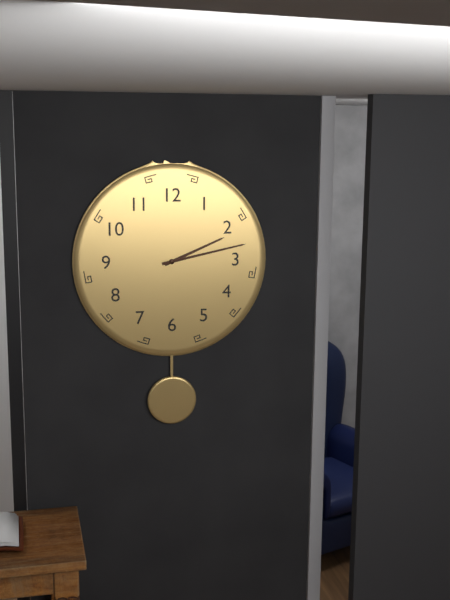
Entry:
**2:13**
